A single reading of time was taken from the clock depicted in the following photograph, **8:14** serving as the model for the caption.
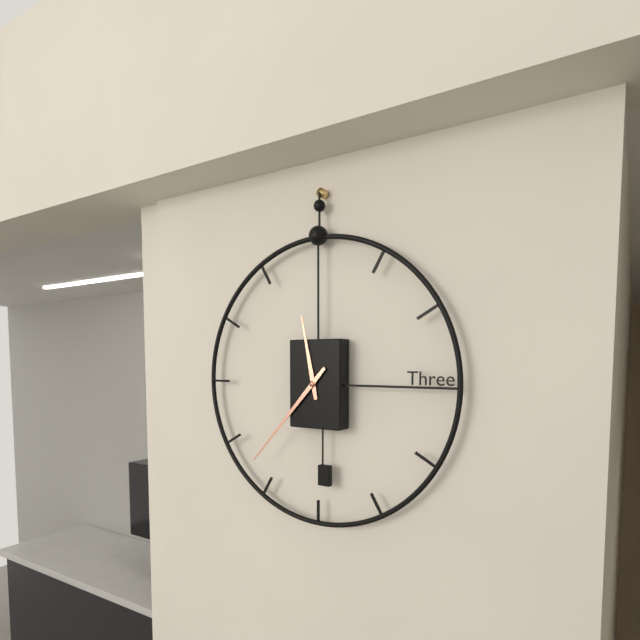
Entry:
**11:37**
